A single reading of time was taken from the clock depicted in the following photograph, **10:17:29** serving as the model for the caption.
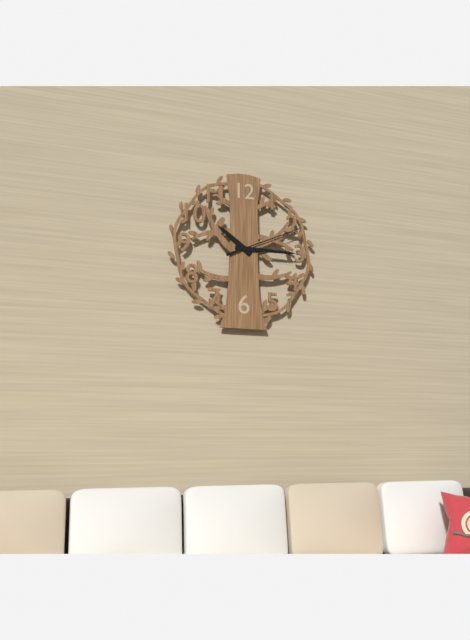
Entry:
**10:15:11**
